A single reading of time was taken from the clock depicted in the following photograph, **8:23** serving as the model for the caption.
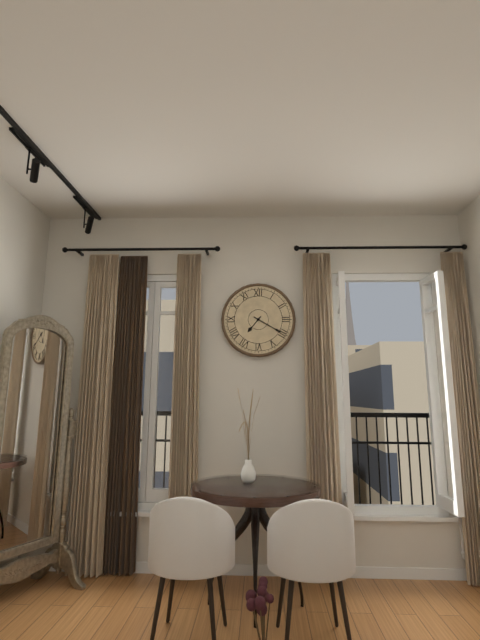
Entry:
**7:20**
